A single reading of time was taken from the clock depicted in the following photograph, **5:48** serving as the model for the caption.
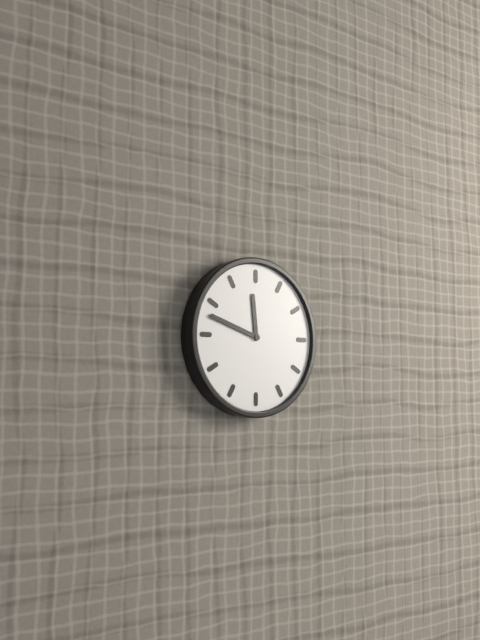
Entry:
**11:48**
